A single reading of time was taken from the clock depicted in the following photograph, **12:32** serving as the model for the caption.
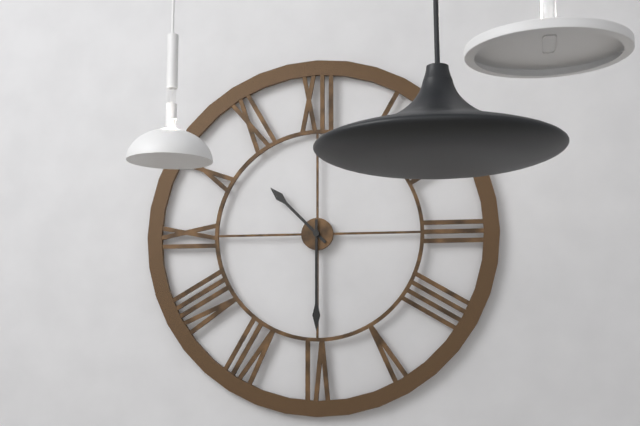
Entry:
**10:30**
